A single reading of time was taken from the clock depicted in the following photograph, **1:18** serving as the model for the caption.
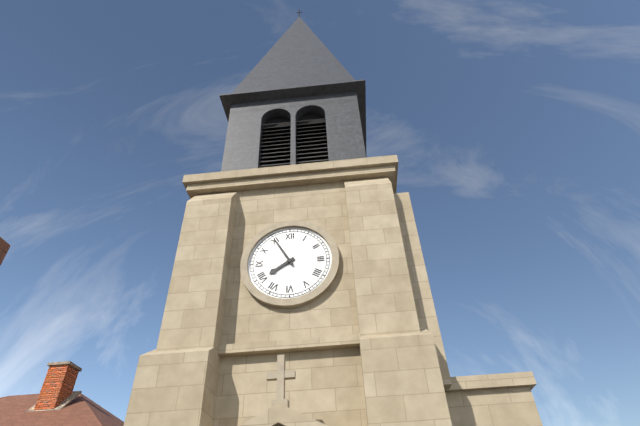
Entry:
**7:55**
